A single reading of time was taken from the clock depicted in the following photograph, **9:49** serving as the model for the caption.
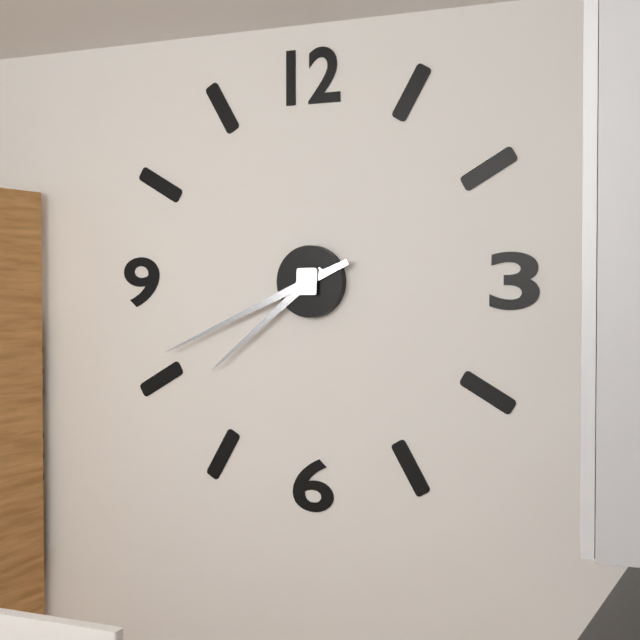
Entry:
**7:41**
